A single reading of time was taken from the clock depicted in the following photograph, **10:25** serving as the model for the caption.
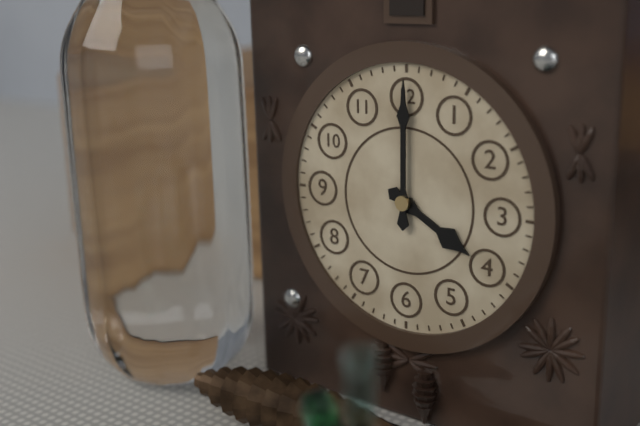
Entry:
**4:00**
